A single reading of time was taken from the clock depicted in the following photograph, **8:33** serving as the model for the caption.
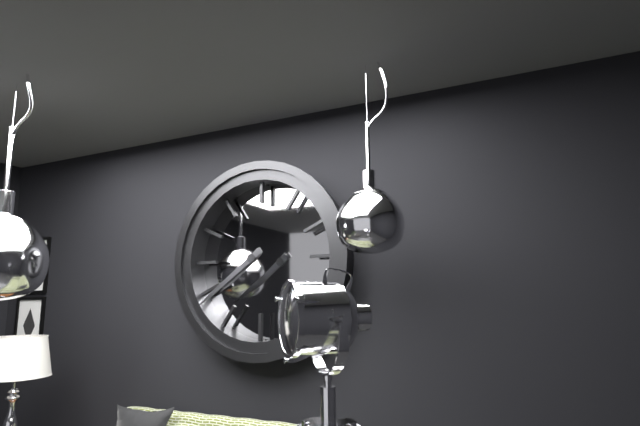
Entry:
**7:39**
